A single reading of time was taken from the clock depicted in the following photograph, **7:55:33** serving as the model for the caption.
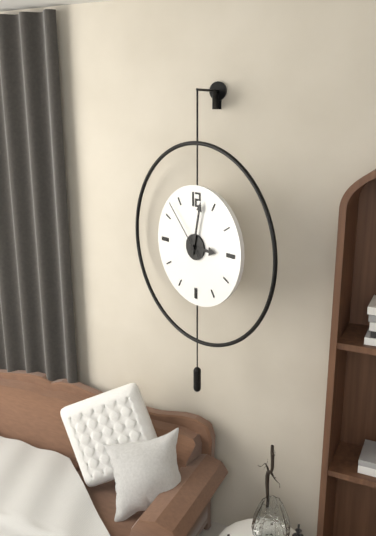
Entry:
**3:02:53**
